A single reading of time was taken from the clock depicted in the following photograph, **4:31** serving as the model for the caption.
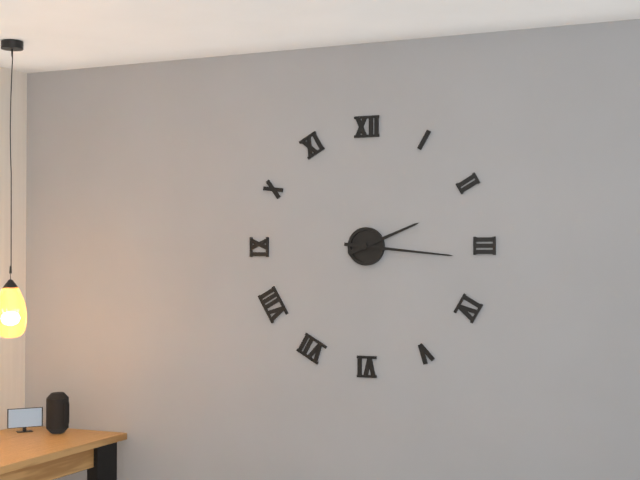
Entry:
**2:16**
